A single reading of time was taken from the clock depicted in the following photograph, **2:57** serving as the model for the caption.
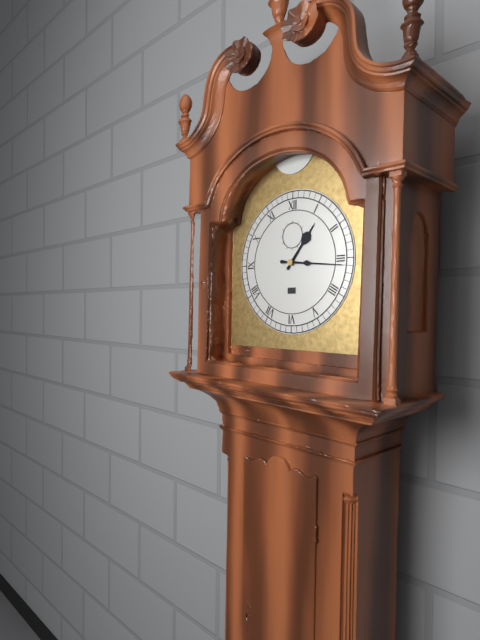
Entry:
**1:16**
